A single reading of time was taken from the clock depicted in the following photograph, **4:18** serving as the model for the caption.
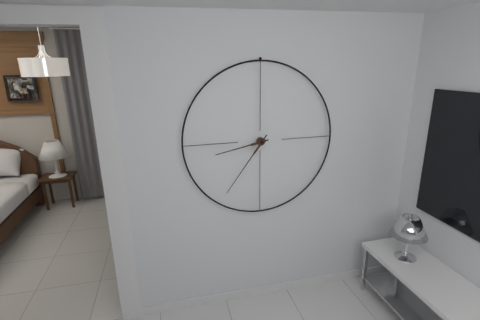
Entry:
**8:36**
